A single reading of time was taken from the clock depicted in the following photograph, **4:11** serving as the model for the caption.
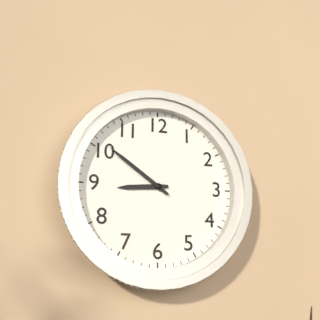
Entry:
**8:51**
